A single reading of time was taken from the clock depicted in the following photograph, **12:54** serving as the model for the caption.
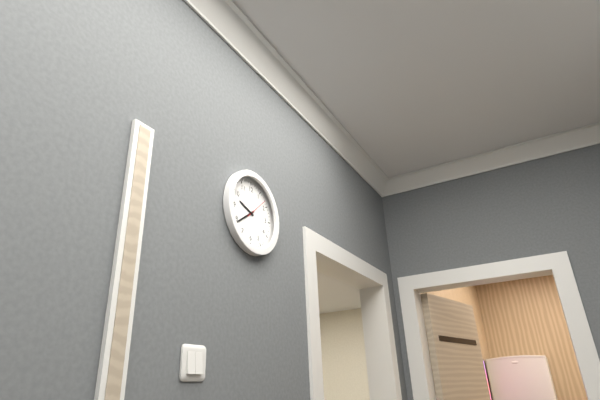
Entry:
**9:39**
